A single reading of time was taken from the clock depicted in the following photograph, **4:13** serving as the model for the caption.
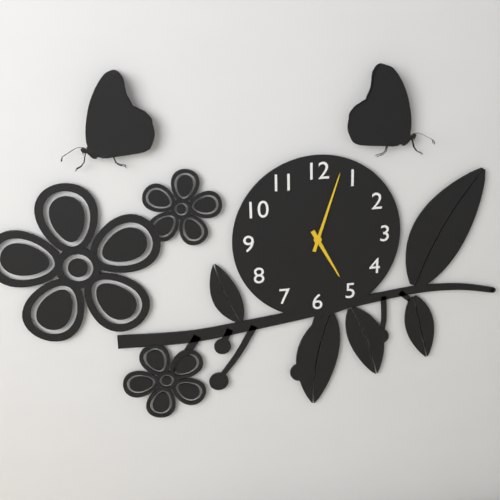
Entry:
**5:03**
